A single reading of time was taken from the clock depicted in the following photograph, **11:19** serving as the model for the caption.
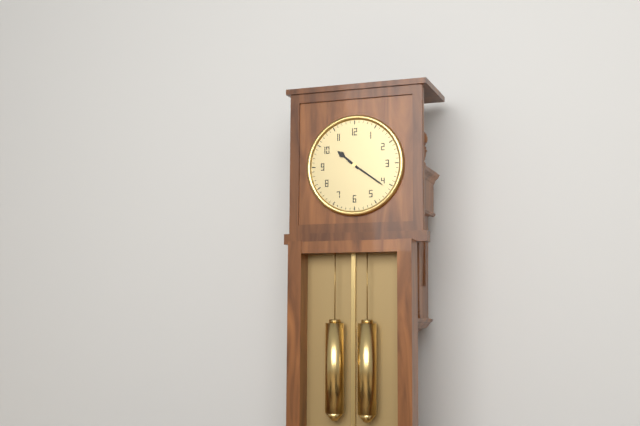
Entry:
**10:21**
